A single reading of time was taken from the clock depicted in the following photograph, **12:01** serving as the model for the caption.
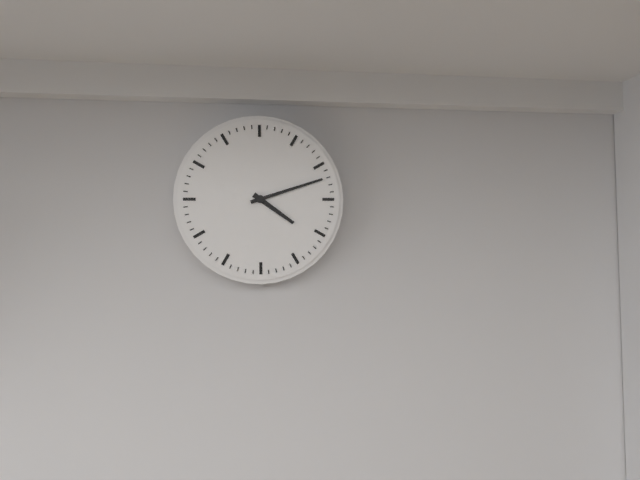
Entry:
**4:12**
